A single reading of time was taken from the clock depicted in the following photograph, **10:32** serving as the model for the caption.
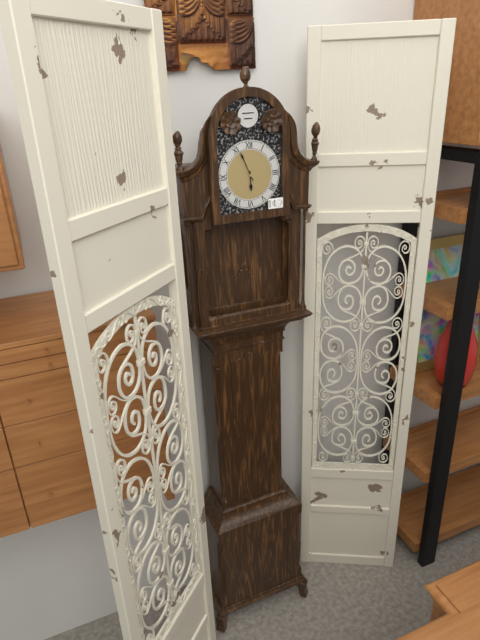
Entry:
**5:56**
